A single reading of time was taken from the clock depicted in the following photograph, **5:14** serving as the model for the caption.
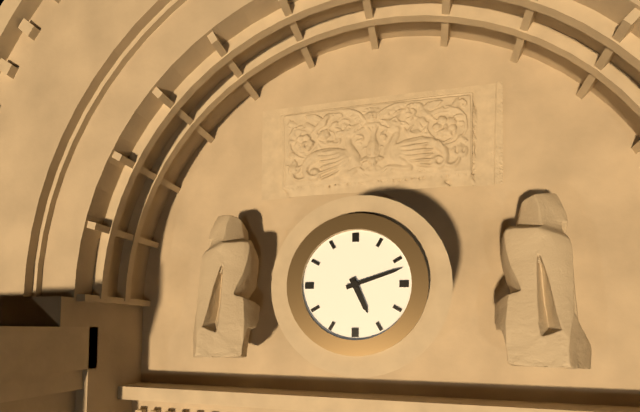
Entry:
**5:12**
